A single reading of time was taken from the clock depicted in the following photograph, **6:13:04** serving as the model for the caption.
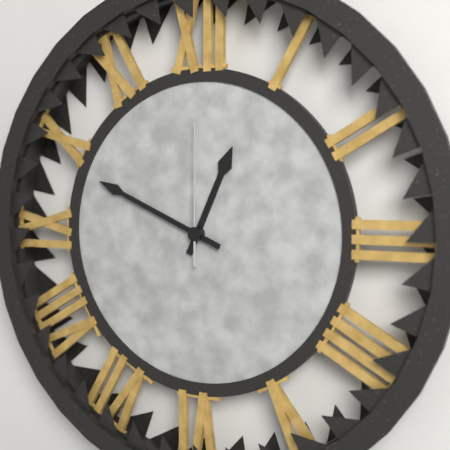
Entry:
**12:49:00**
